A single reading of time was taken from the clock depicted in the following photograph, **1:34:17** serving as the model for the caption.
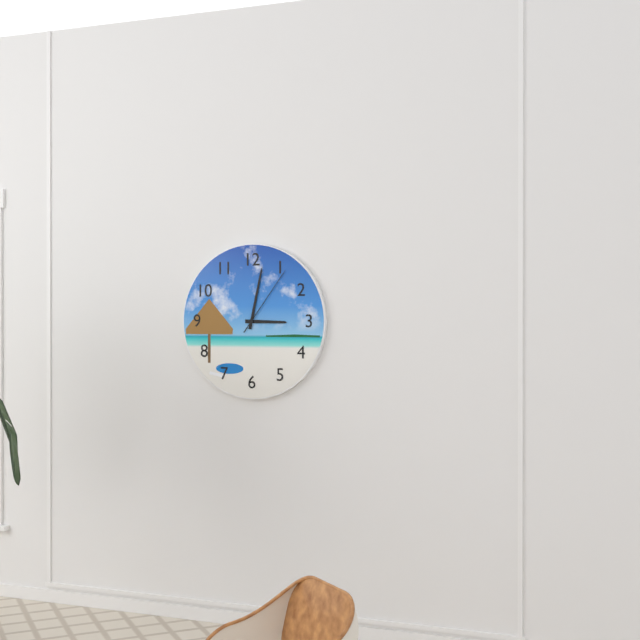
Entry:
**3:02:06**
